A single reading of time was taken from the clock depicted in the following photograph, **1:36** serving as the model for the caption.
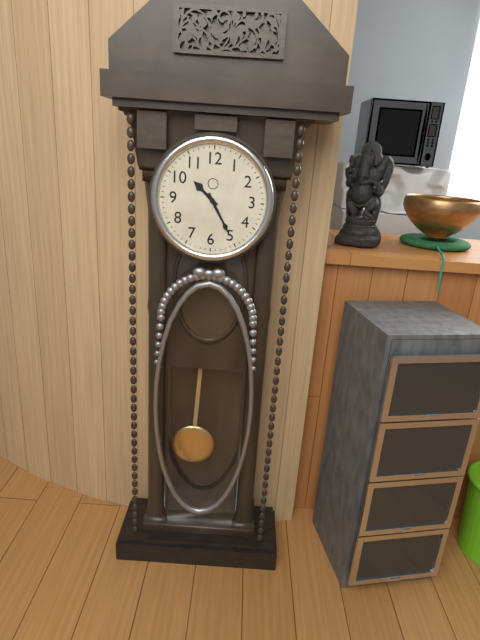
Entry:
**10:25**
